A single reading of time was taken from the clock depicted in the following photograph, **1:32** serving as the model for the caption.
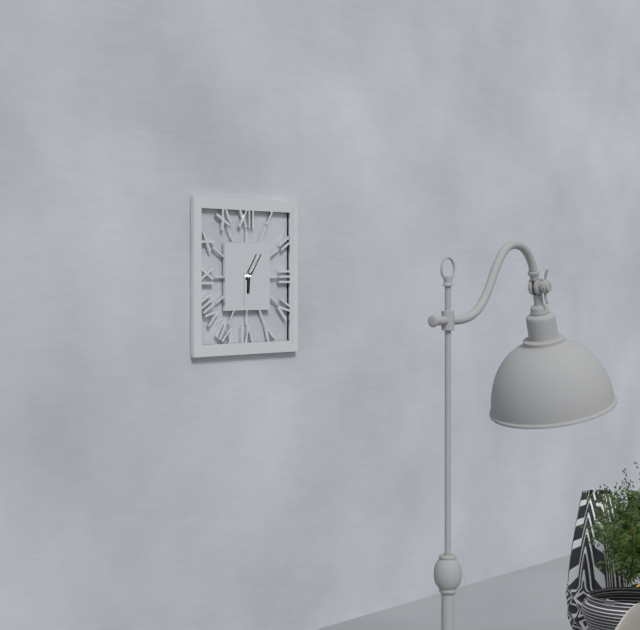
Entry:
**6:06**
